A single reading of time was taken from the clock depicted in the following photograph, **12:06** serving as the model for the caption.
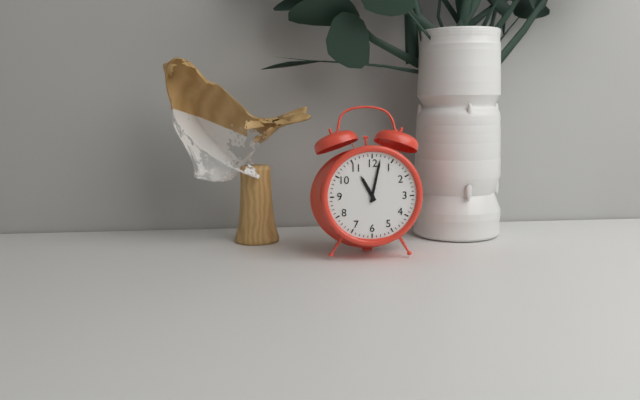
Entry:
**11:02**
